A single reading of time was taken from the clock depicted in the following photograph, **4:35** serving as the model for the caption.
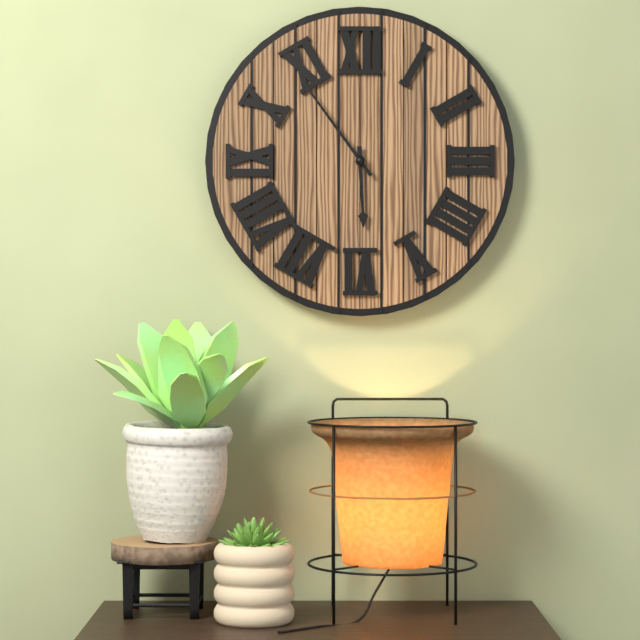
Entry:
**5:54**
